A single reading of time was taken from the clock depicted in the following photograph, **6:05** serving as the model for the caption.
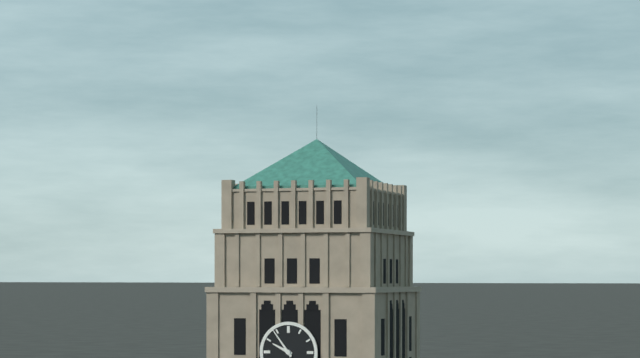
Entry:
**9:54**
